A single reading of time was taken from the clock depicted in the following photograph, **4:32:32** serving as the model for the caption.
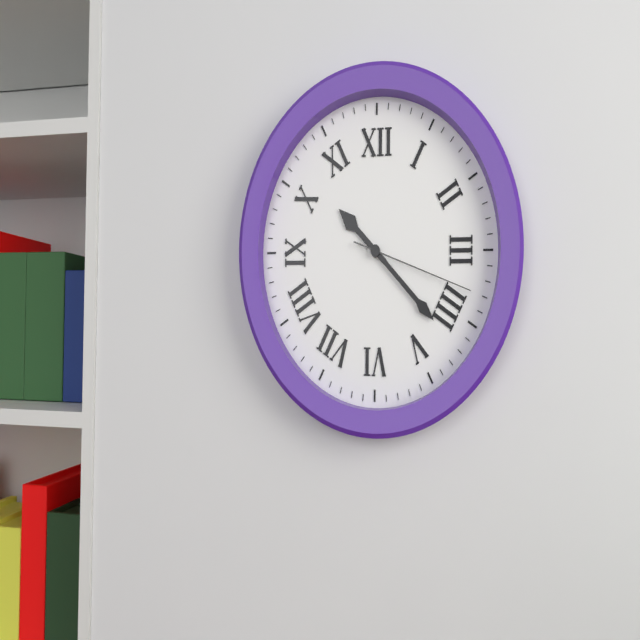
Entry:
**10:22:18**
